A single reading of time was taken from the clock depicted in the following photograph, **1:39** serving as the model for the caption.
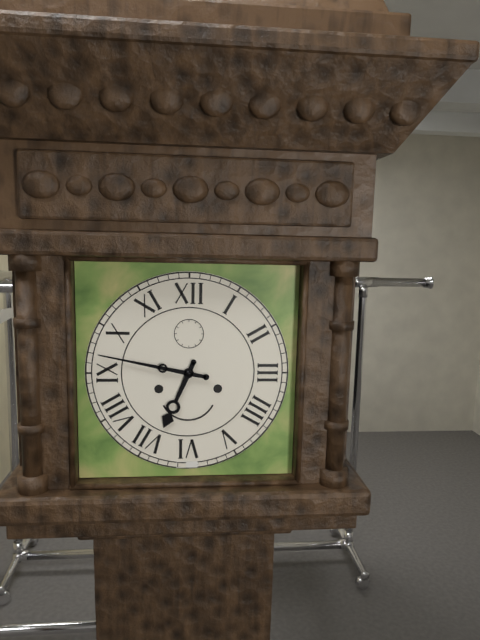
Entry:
**6:47**
